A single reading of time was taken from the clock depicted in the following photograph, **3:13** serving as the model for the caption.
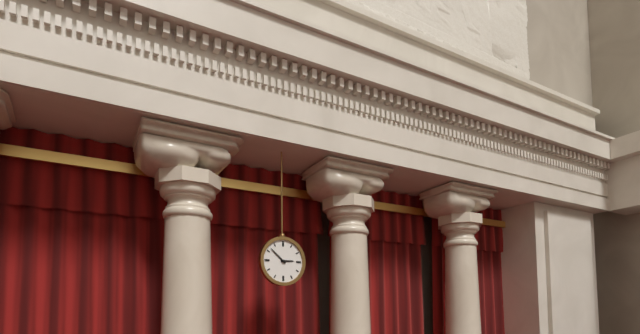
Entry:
**2:52**
